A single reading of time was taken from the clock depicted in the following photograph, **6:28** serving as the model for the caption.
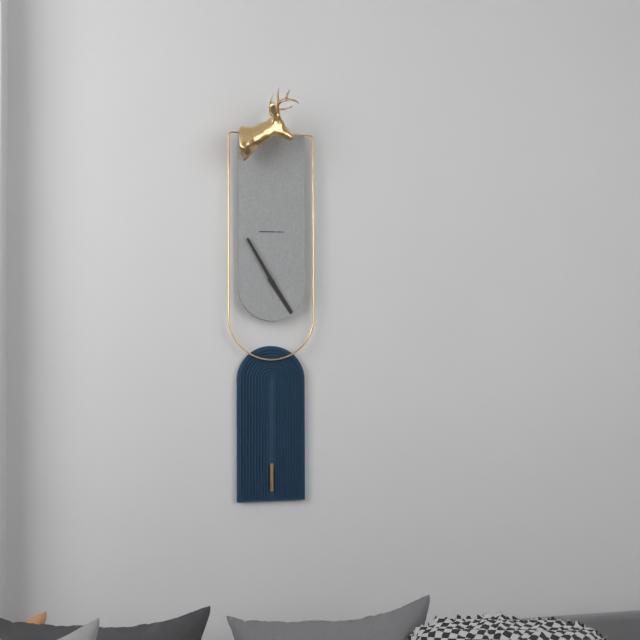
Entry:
**4:55**
